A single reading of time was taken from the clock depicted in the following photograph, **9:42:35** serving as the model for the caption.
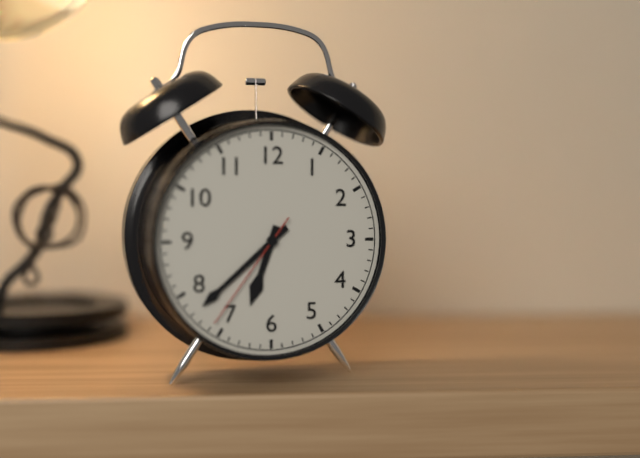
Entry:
**6:38:36**
